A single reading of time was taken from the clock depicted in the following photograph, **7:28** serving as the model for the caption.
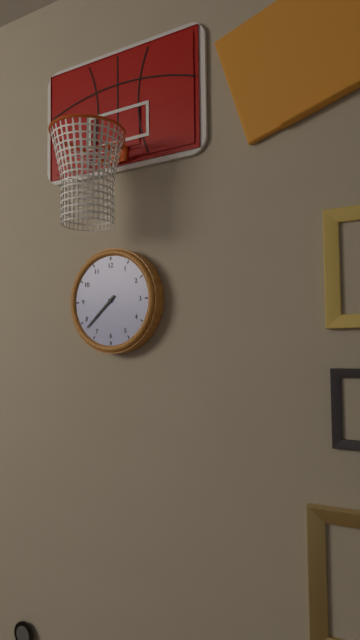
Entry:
**7:38**
